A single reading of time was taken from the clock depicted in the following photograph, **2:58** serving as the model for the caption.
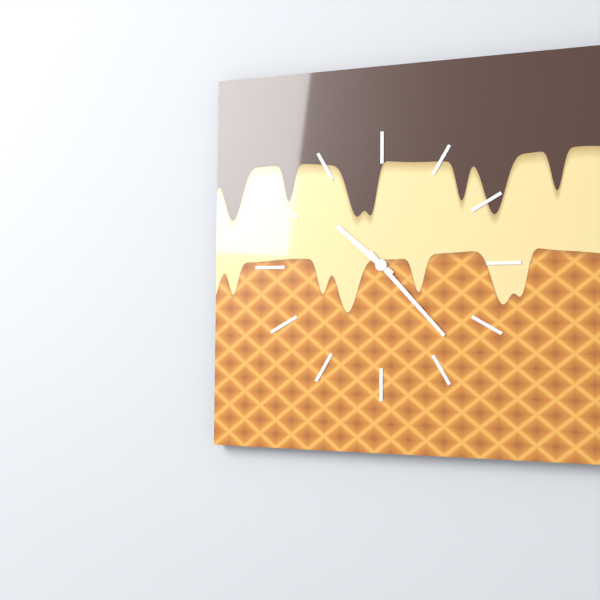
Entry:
**10:23**
